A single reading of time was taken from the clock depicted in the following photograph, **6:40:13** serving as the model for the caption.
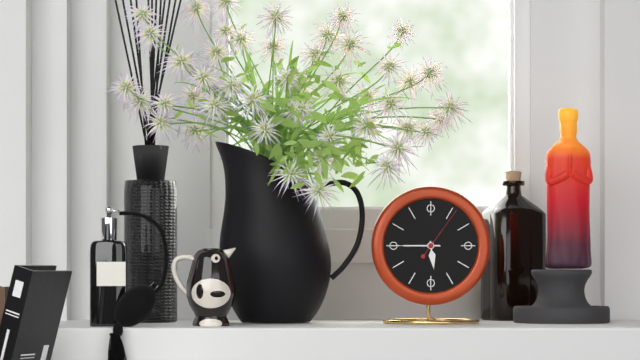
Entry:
**5:45:06**
